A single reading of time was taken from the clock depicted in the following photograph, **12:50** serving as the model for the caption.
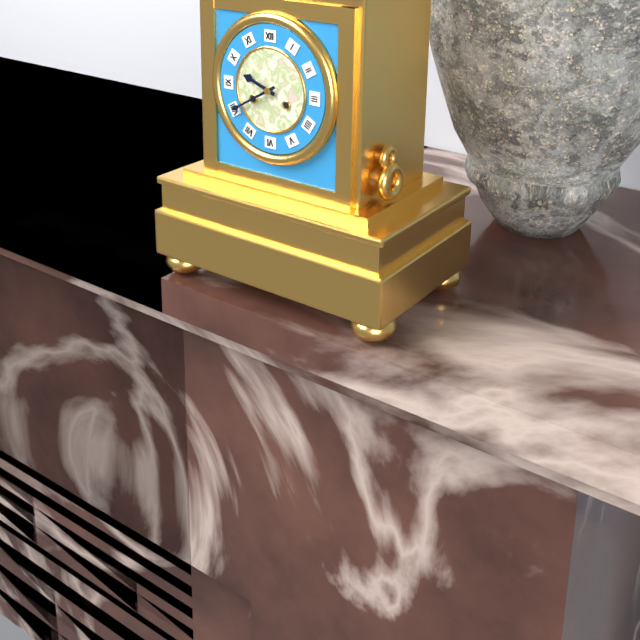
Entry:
**9:40**
